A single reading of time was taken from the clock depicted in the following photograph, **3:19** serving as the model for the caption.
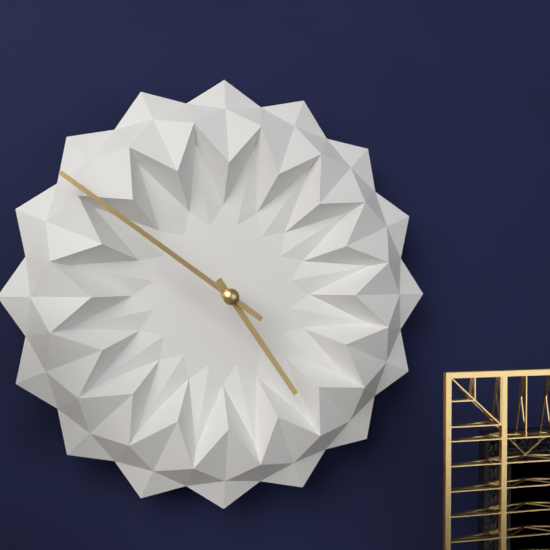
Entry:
**4:51**
